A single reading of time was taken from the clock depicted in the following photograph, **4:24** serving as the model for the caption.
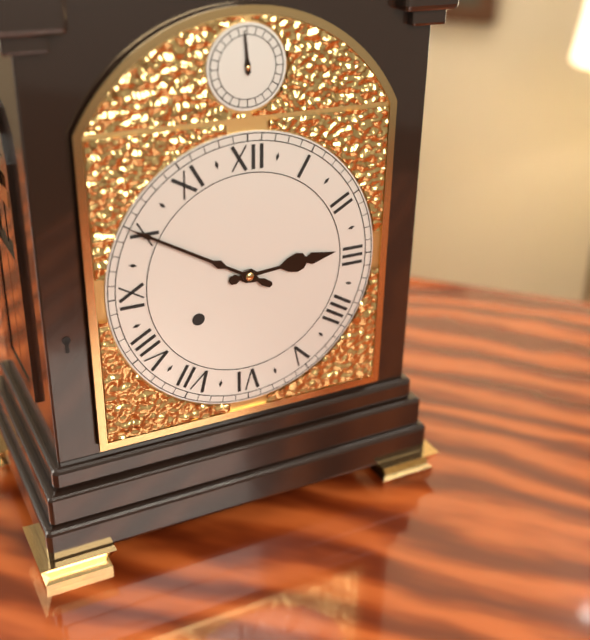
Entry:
**2:50**
